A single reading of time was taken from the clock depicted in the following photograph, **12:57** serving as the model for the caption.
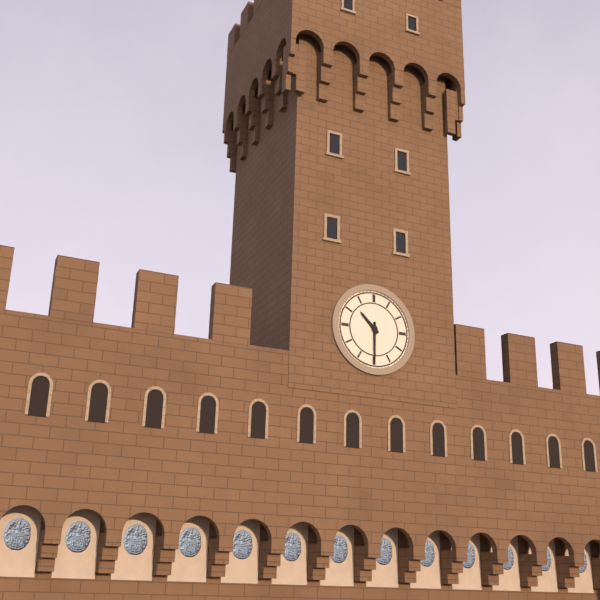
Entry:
**10:30**
